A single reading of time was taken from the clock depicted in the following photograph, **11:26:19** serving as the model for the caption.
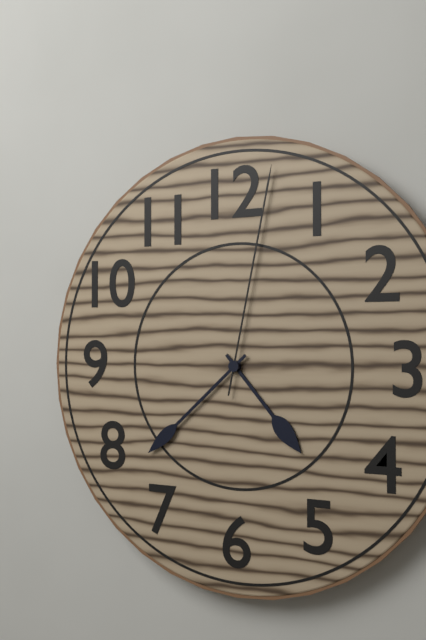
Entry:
**4:38:02**
